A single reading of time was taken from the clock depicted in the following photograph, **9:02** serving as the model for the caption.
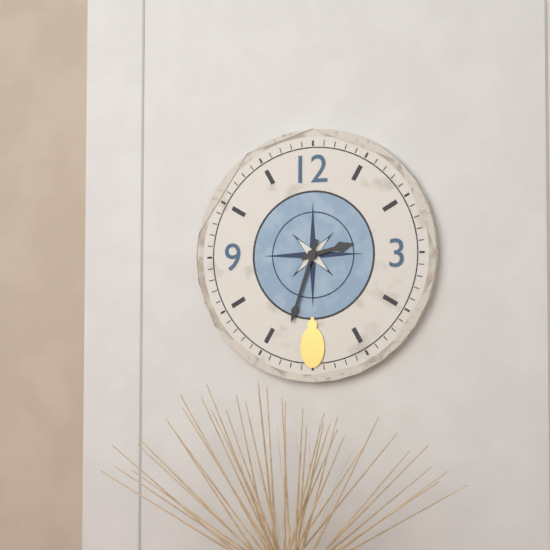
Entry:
**2:33**
